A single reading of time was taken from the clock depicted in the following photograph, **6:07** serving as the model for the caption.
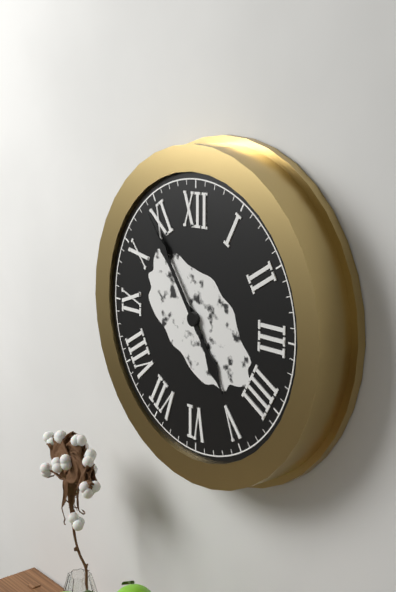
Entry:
**4:54**
